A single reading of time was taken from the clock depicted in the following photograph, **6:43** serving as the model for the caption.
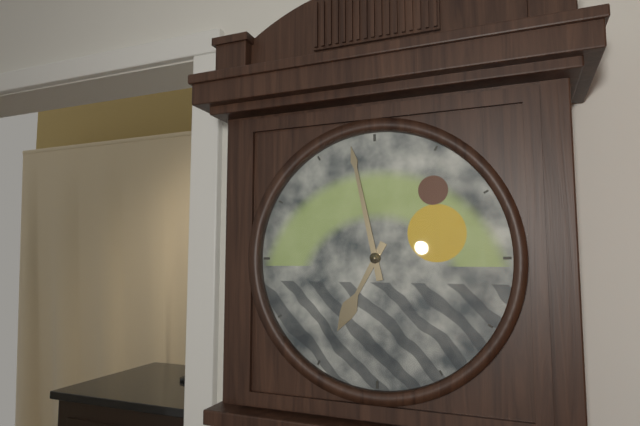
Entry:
**6:58**
